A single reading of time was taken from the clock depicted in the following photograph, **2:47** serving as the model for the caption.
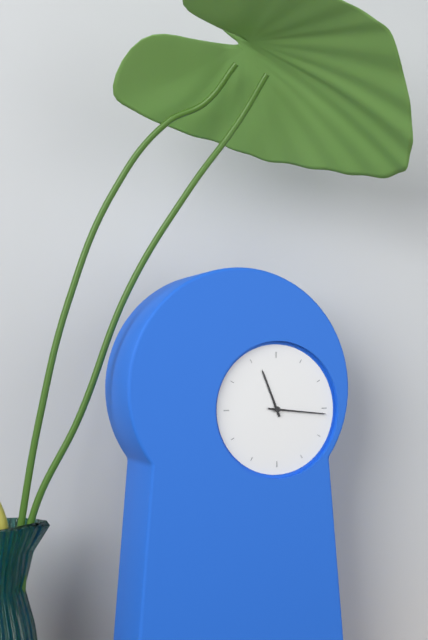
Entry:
**11:16**
